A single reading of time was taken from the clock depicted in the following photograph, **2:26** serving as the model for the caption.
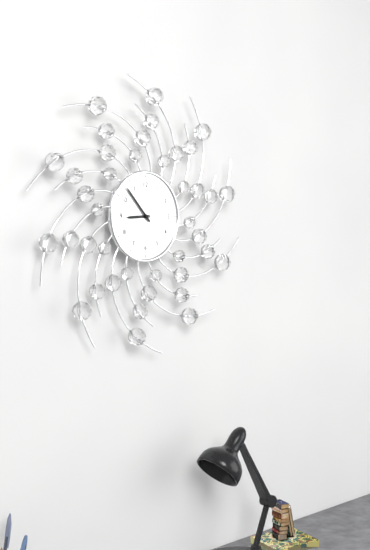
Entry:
**8:53**
